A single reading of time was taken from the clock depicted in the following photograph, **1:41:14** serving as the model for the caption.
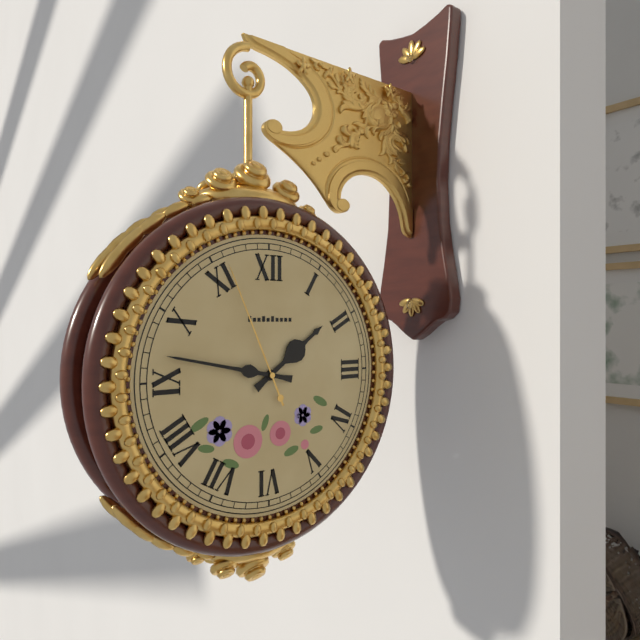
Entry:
**1:47:56**
